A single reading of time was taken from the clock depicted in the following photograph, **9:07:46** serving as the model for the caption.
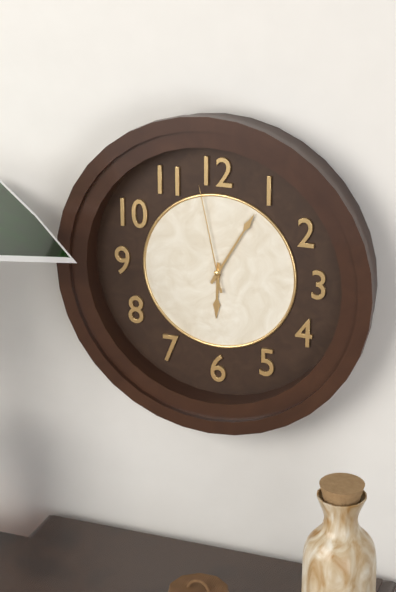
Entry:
**6:05:58**
